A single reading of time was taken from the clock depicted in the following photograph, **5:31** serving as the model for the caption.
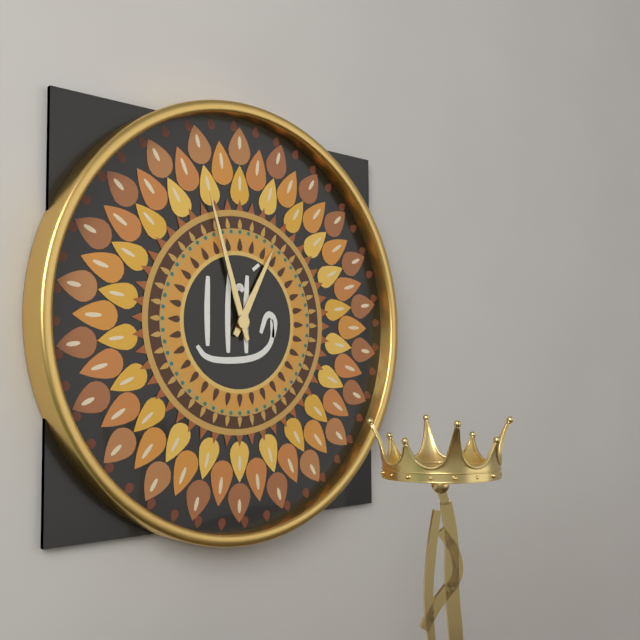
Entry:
**12:57**
